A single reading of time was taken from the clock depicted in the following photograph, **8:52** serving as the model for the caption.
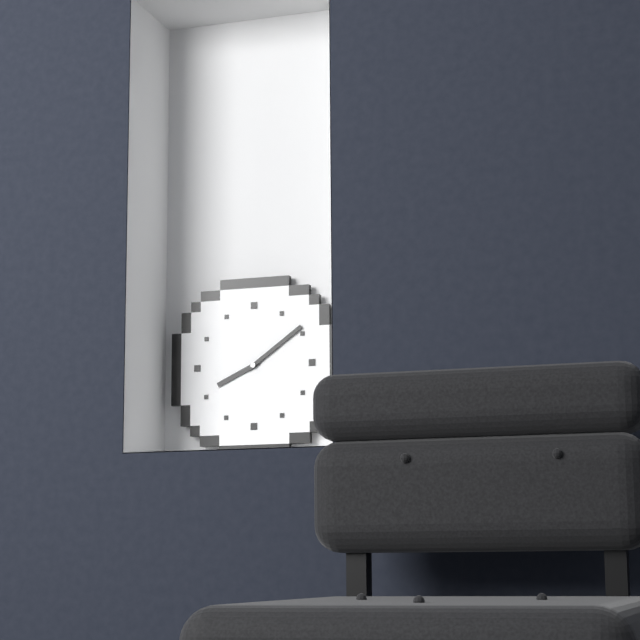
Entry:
**8:09**
